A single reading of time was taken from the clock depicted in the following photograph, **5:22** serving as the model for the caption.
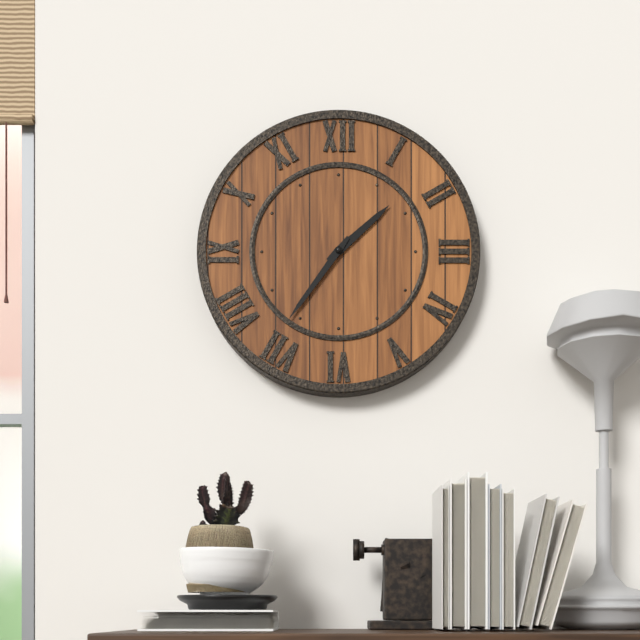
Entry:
**1:36**
